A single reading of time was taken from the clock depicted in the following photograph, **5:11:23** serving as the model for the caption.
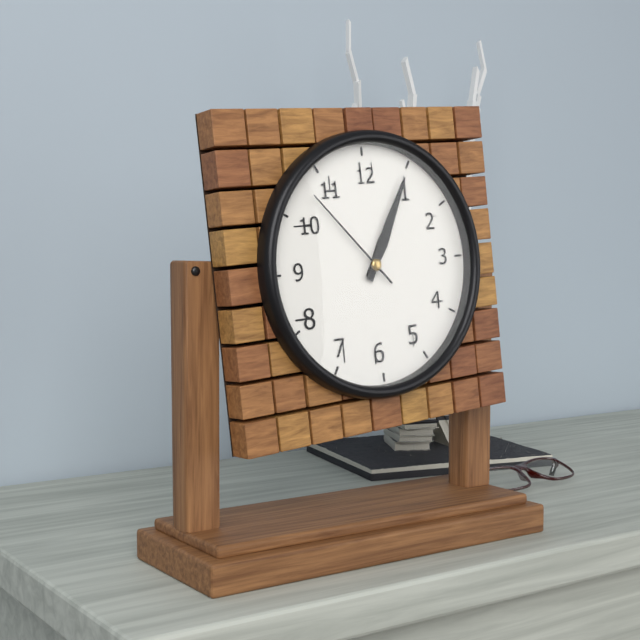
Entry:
**1:05:53**
